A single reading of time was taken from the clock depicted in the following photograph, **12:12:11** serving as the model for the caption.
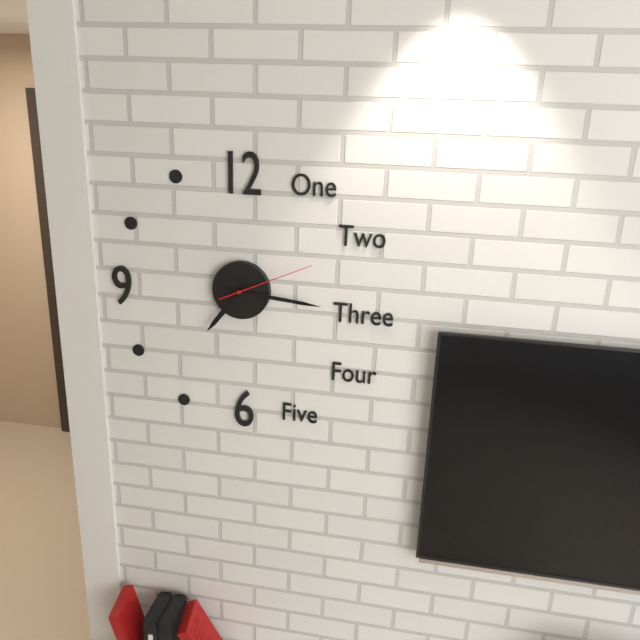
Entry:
**7:16:11**
